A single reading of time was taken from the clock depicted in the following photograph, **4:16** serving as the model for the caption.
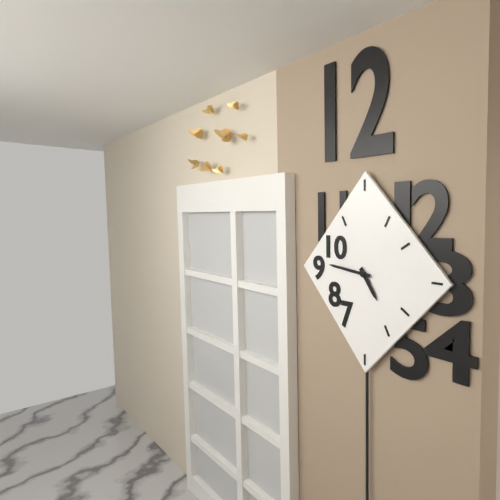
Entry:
**4:46**
